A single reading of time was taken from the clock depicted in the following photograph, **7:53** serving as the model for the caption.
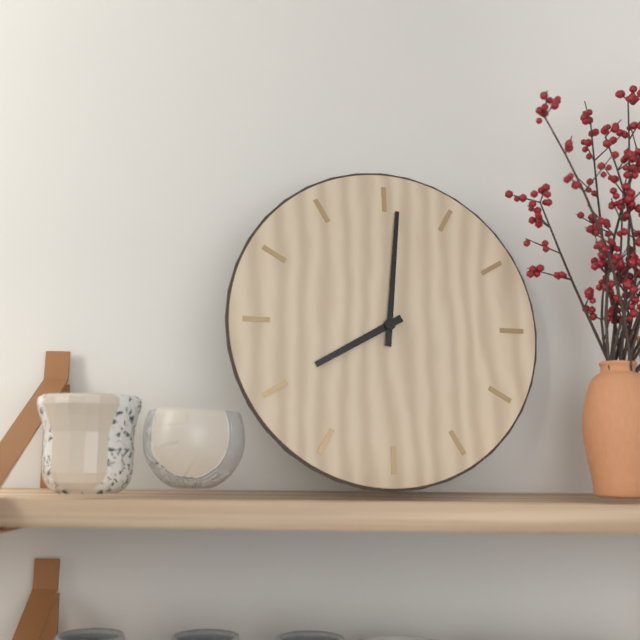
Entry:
**8:01**
